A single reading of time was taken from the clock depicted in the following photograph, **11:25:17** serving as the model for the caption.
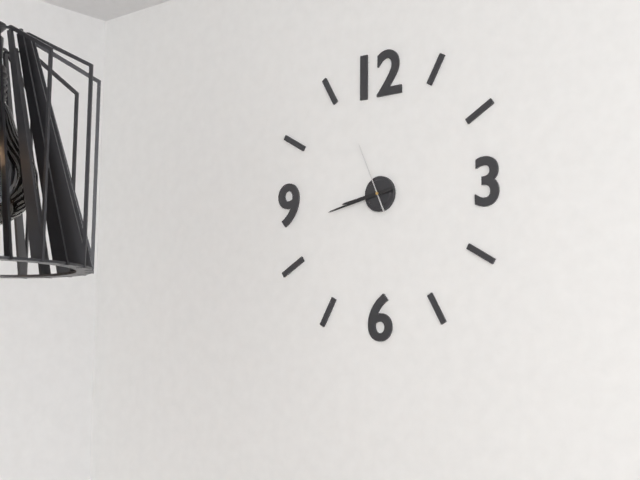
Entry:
**8:43:56**
